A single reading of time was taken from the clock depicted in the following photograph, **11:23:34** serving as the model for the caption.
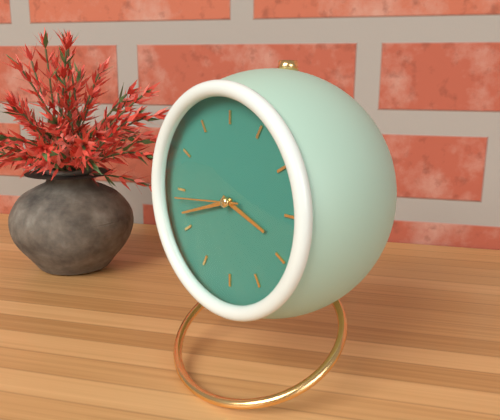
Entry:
**3:42:44**
